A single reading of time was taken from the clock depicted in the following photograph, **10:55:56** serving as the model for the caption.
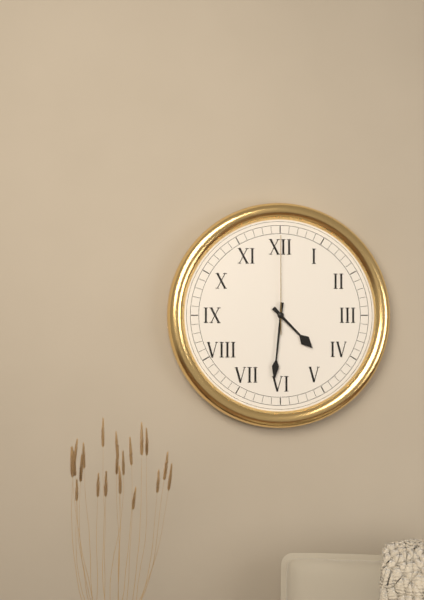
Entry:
**4:31:00**
